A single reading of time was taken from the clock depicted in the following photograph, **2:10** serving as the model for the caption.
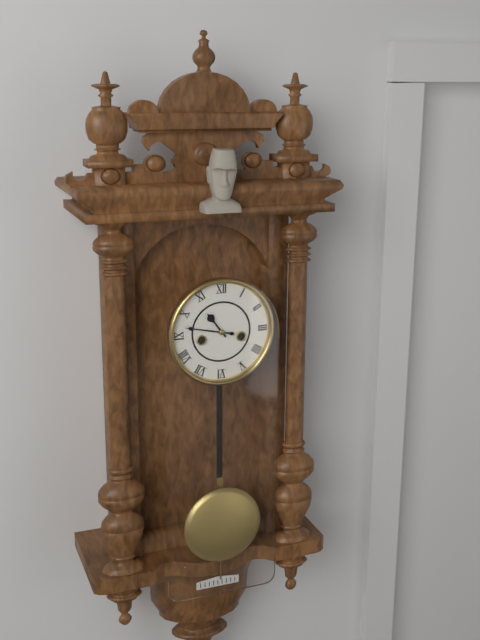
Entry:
**10:47**
